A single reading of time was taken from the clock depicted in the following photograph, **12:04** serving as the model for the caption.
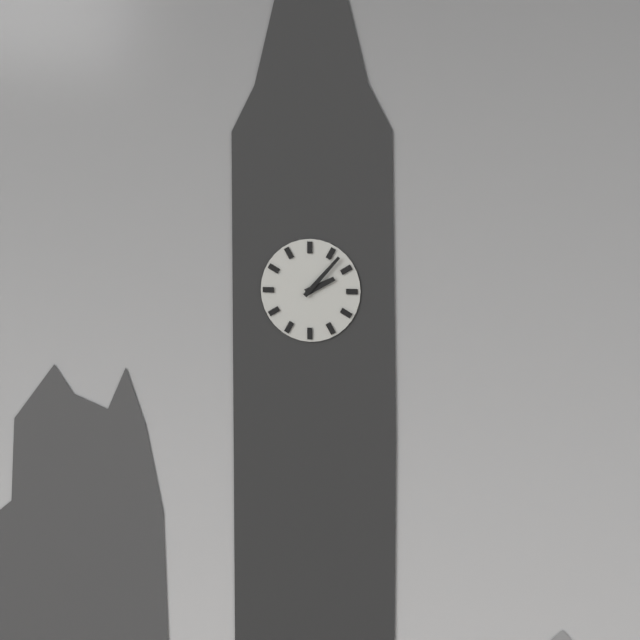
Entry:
**2:07**
